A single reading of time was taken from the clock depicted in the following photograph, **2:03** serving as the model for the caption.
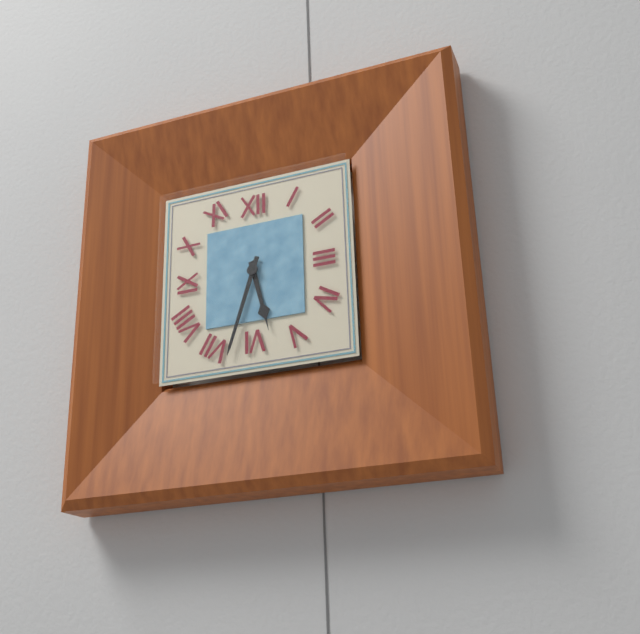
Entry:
**5:33**
